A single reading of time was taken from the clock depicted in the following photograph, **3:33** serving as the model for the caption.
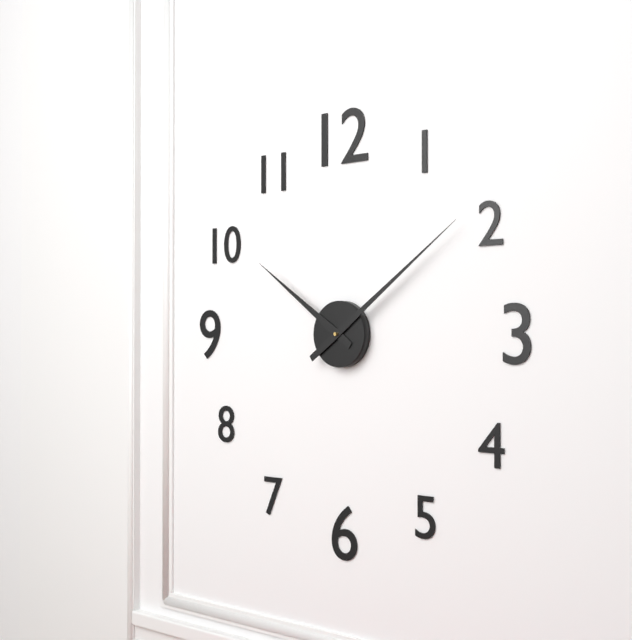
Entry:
**10:09**
